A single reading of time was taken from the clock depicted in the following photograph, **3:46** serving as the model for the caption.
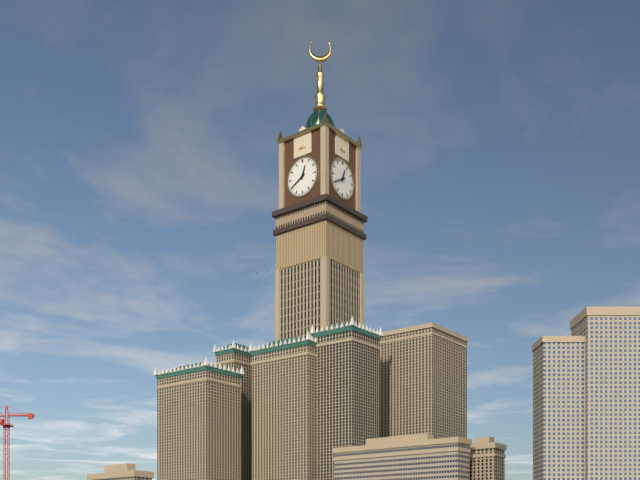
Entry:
**12:40**
